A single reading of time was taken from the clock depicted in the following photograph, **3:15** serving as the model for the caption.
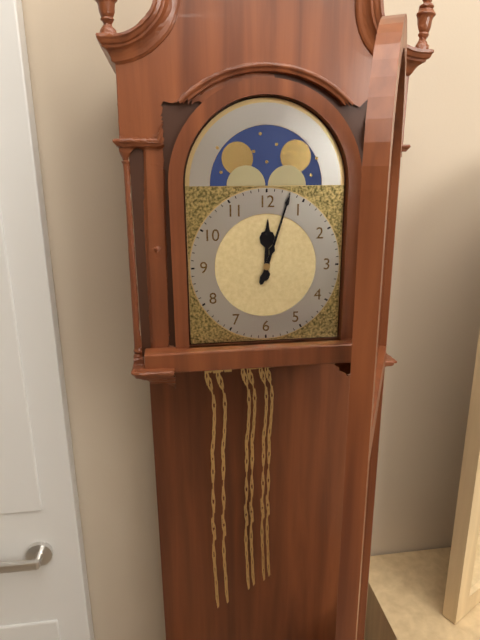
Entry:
**12:03**
